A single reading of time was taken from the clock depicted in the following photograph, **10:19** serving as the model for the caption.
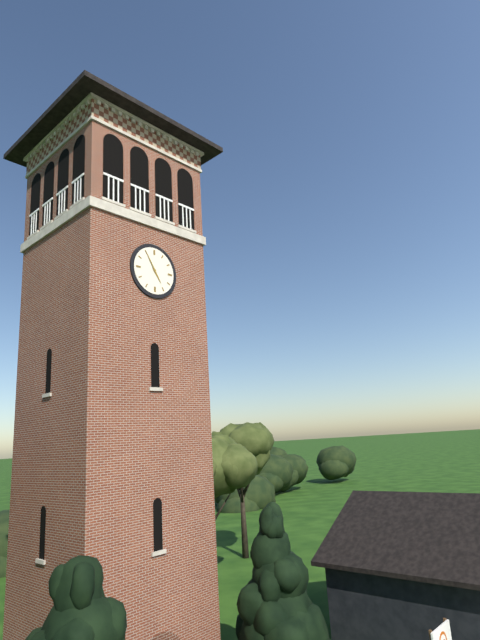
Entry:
**4:55**
